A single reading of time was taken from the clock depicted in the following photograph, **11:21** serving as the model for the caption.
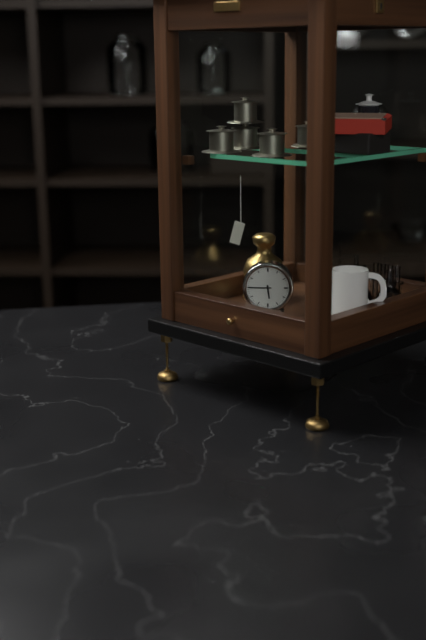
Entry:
**5:45**
